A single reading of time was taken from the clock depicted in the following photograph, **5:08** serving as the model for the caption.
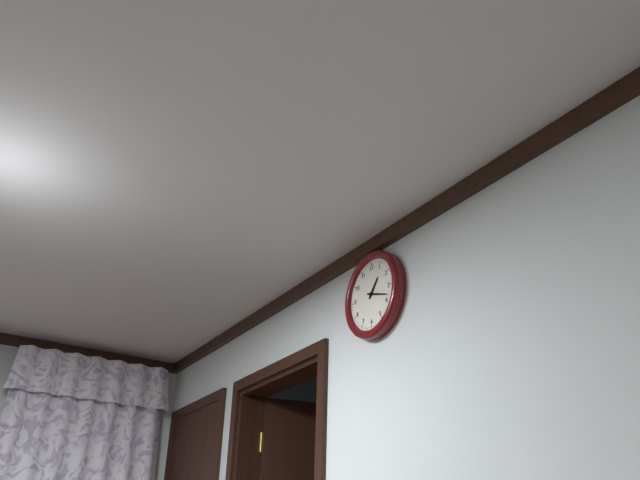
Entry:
**1:18**
